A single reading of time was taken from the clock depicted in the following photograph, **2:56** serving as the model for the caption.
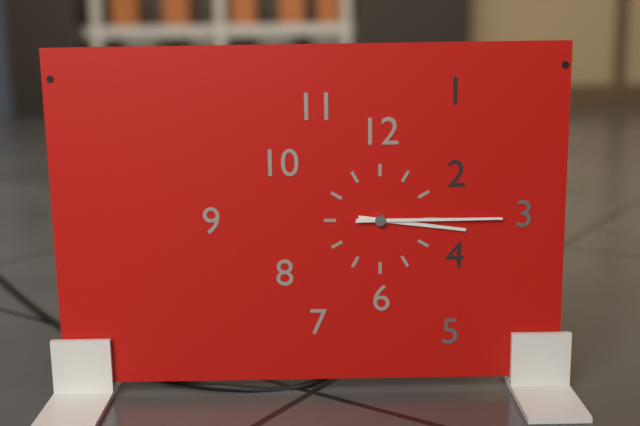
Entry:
**3:15**
